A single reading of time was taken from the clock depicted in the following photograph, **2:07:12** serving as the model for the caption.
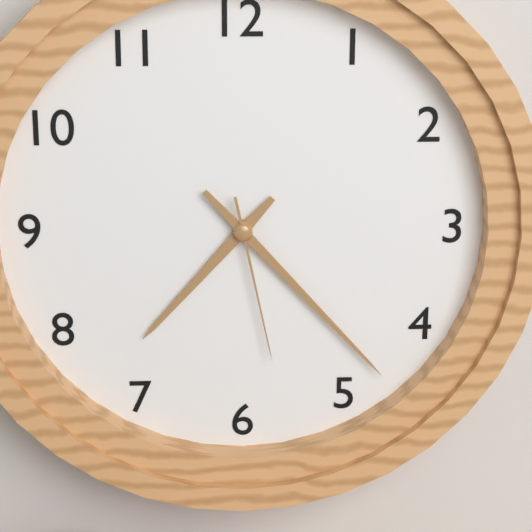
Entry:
**7:23:28**
